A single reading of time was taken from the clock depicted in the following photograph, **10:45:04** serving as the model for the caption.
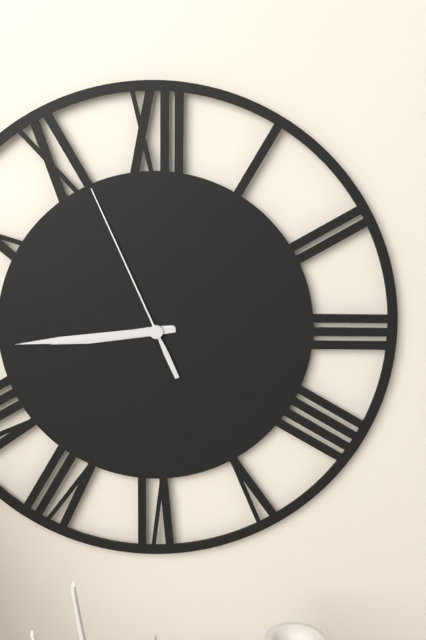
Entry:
**8:44:56**
